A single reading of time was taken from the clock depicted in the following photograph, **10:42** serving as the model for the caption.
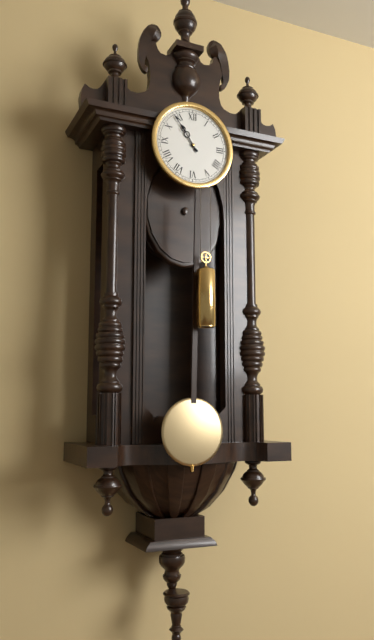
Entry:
**10:54**
